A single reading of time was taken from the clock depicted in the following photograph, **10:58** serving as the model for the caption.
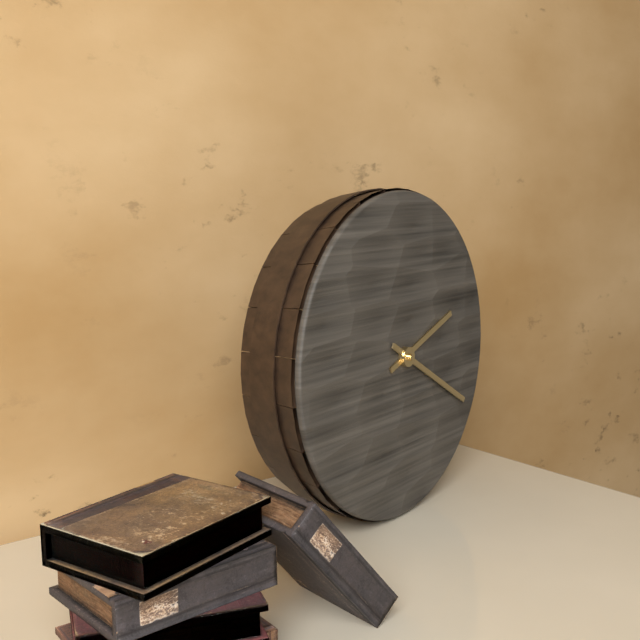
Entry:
**2:20**
